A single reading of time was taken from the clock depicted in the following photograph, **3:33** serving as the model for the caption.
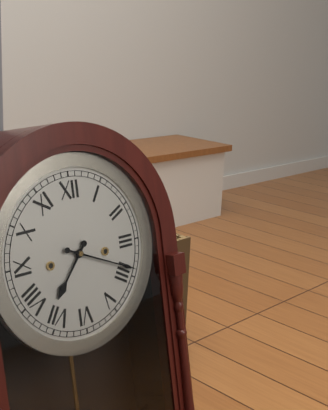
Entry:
**7:19**
